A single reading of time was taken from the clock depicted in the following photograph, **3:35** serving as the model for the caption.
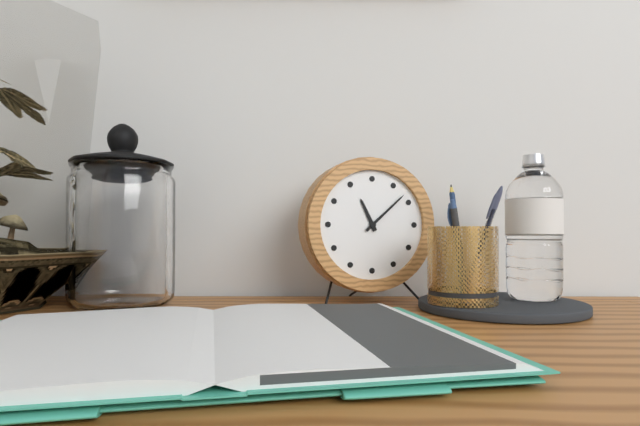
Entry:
**11:08**
